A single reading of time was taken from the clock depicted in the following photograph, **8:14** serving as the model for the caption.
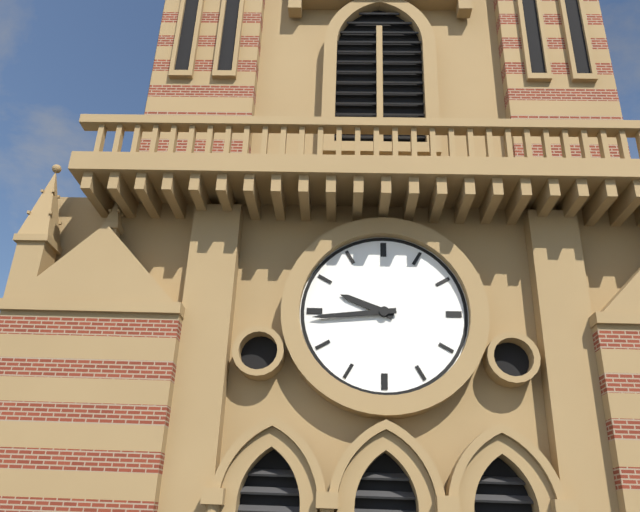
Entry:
**9:44**
